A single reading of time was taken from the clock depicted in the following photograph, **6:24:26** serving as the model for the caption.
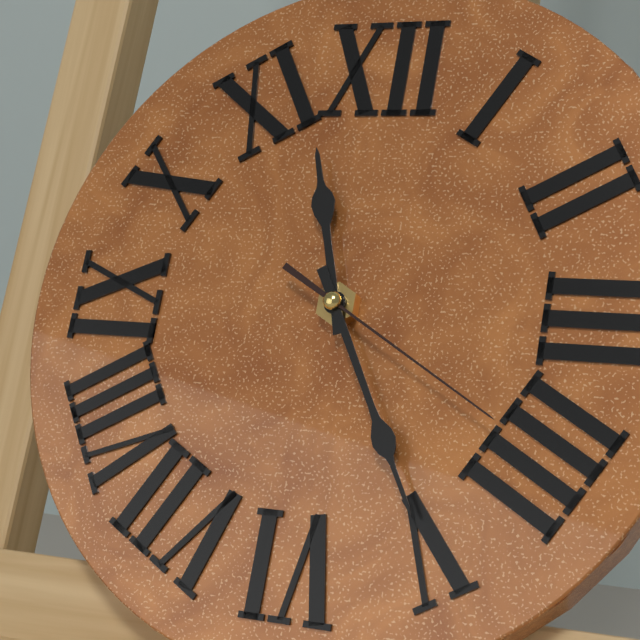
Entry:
**11:25:20**
